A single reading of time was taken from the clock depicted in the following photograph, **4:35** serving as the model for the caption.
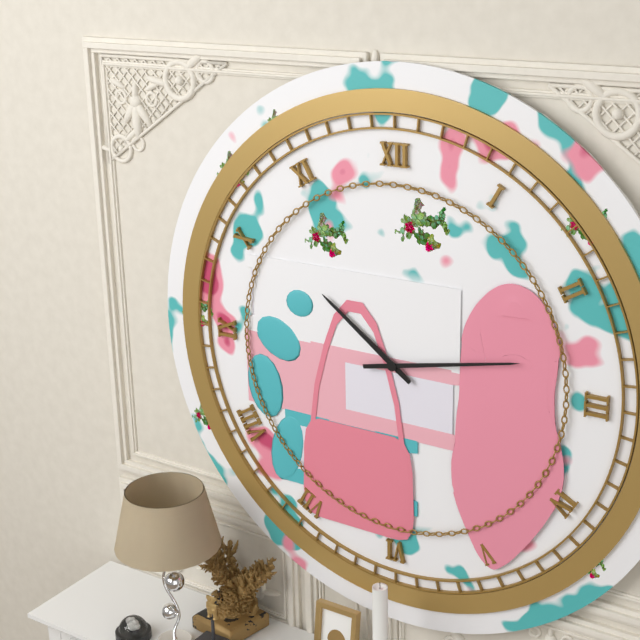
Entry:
**10:13**
